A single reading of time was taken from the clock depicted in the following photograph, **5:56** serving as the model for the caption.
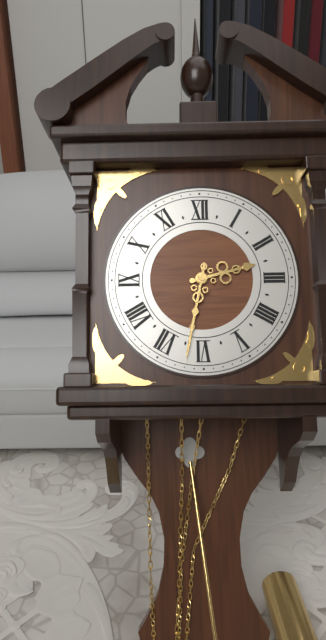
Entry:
**2:32**
